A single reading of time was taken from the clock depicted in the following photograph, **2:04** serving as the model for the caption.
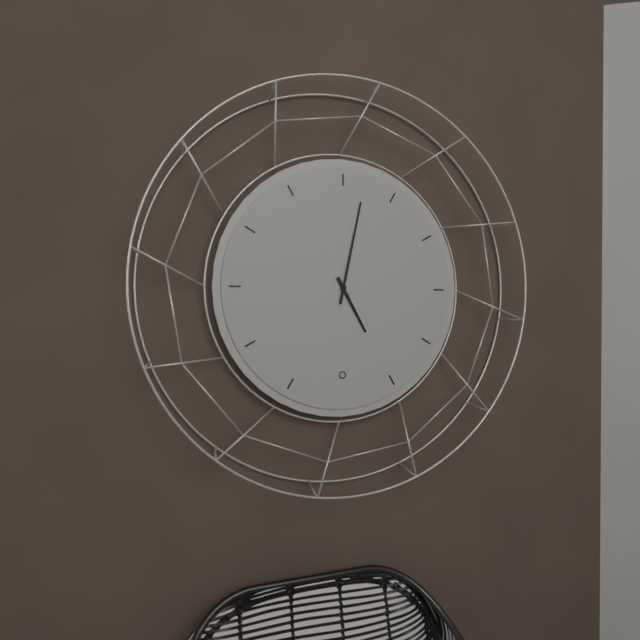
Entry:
**5:02**
